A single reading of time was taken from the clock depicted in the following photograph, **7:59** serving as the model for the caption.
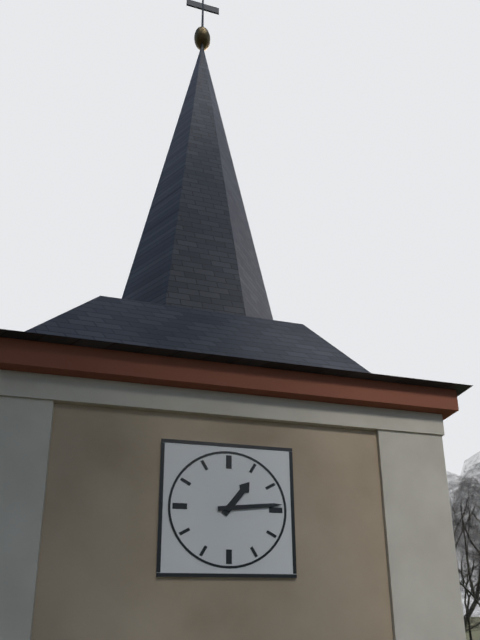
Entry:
**1:14**
